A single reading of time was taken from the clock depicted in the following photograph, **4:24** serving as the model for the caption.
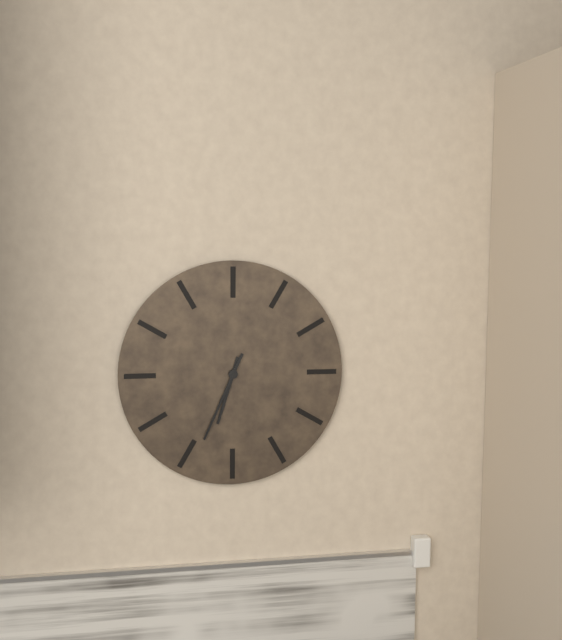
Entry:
**6:34**
